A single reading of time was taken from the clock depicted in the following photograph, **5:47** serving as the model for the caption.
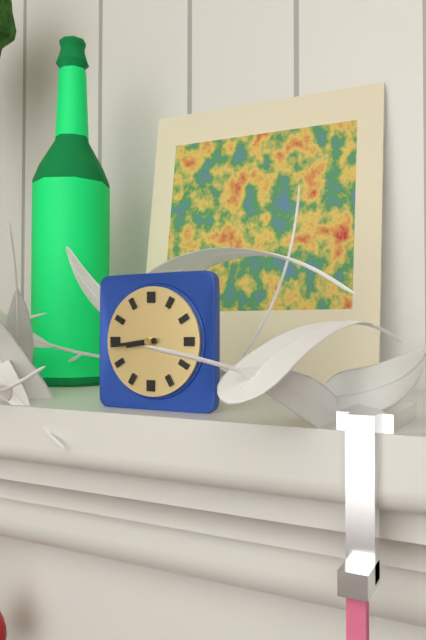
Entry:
**8:44**
